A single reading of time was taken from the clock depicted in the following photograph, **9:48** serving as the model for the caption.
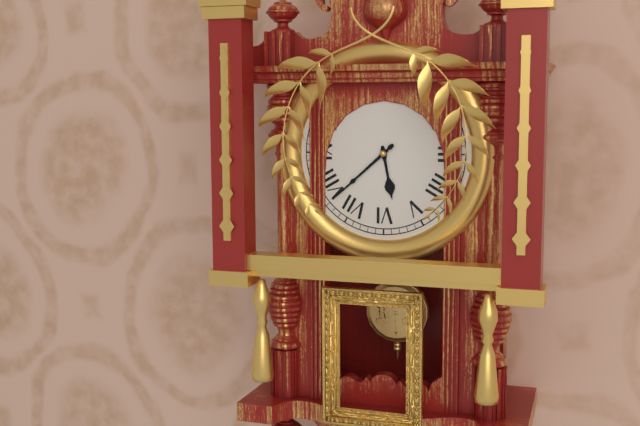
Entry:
**5:38**
